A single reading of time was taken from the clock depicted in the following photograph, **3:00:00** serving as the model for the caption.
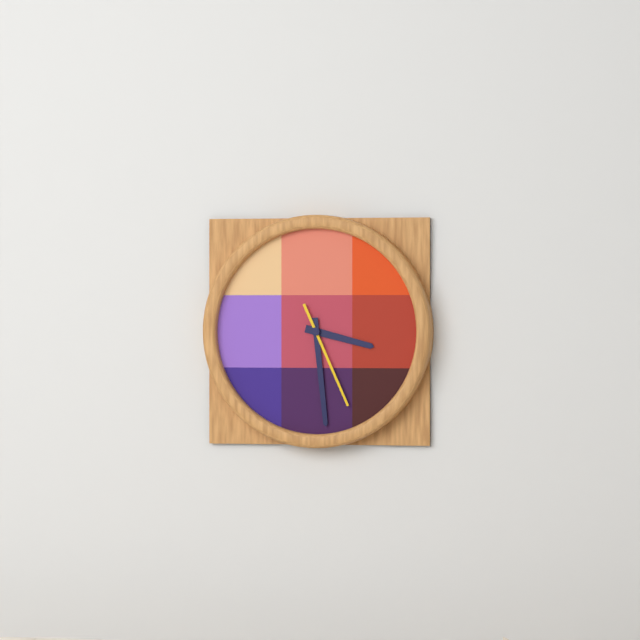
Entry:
**3:29:26**
